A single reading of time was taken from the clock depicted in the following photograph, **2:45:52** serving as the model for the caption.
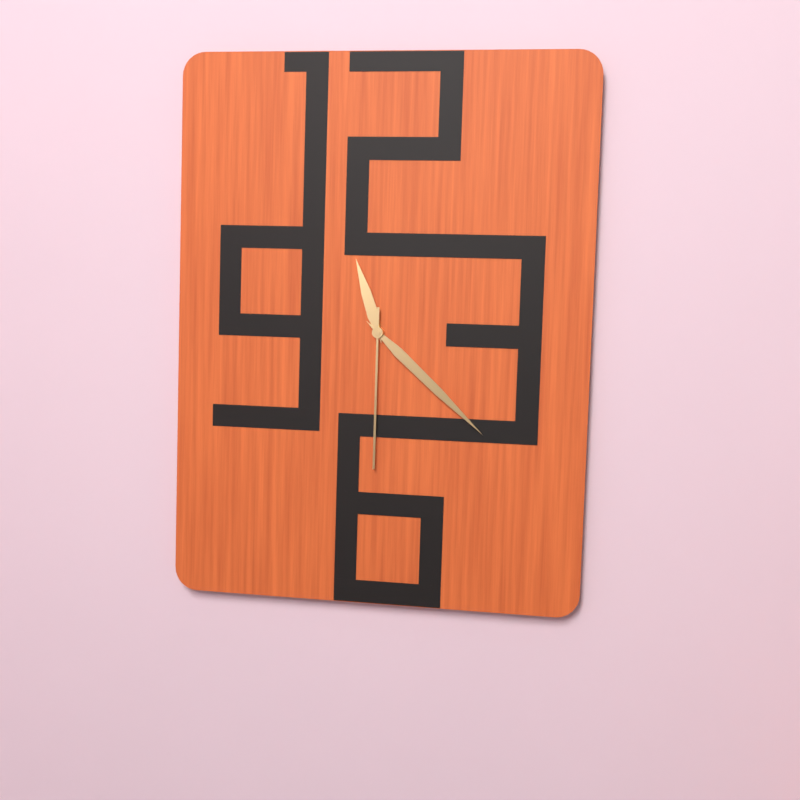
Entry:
**11:22:30**
